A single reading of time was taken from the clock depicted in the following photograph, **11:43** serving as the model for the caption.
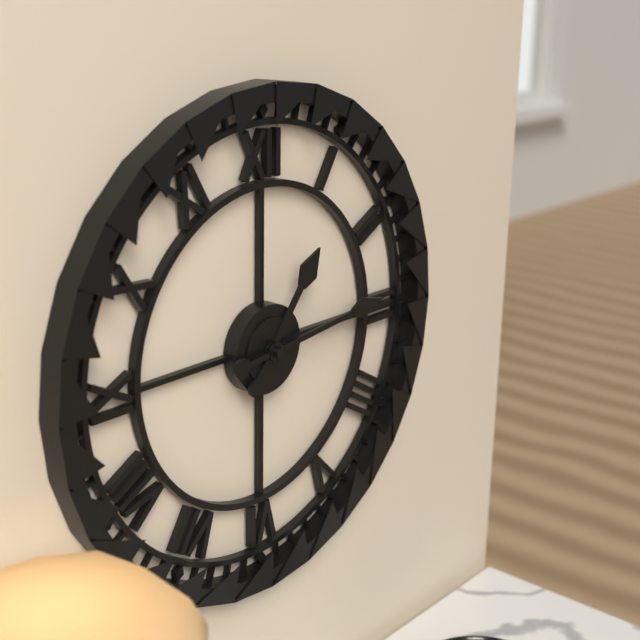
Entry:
**1:14**
